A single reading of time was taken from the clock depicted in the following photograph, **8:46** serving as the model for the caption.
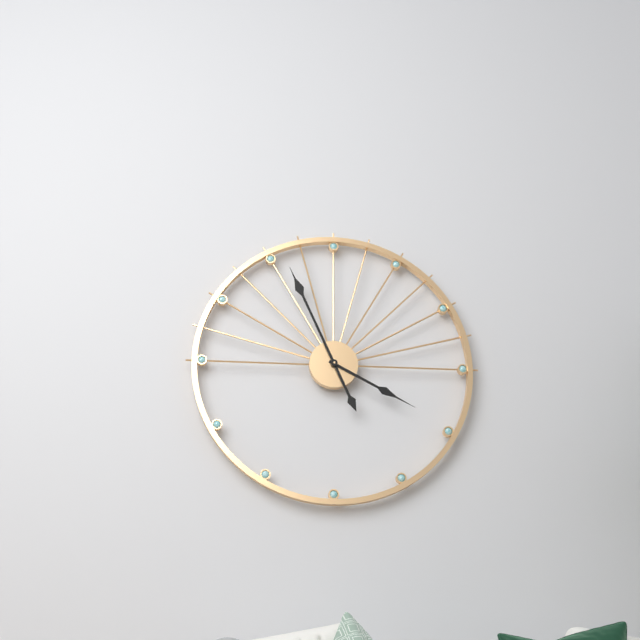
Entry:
**3:56**
